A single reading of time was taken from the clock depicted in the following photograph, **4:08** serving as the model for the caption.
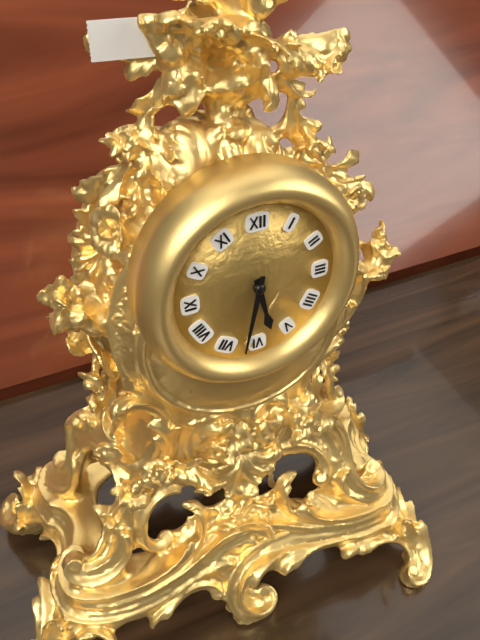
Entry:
**5:32**
